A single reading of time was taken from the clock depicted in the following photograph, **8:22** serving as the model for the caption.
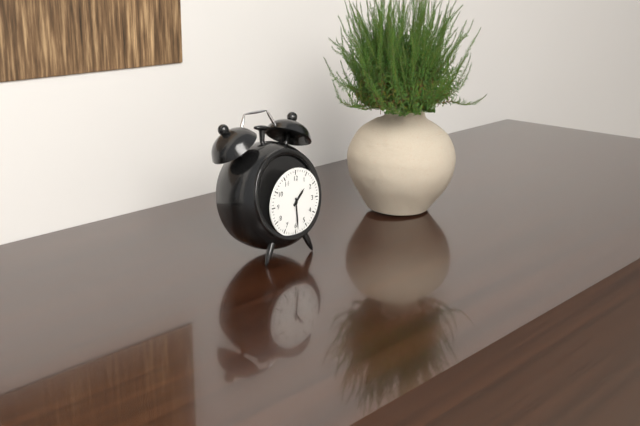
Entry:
**1:29**
